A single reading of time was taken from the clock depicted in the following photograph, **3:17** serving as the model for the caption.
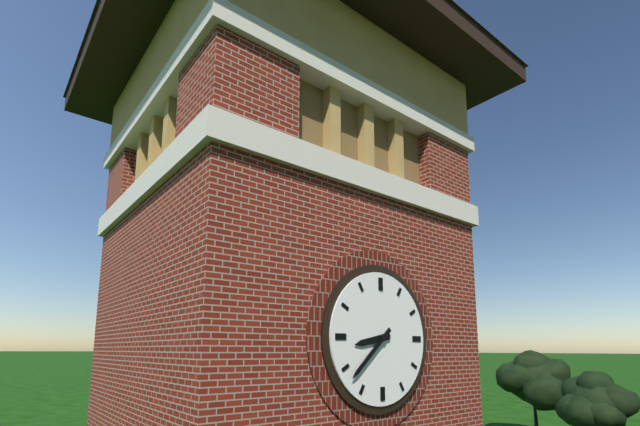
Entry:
**8:38**
